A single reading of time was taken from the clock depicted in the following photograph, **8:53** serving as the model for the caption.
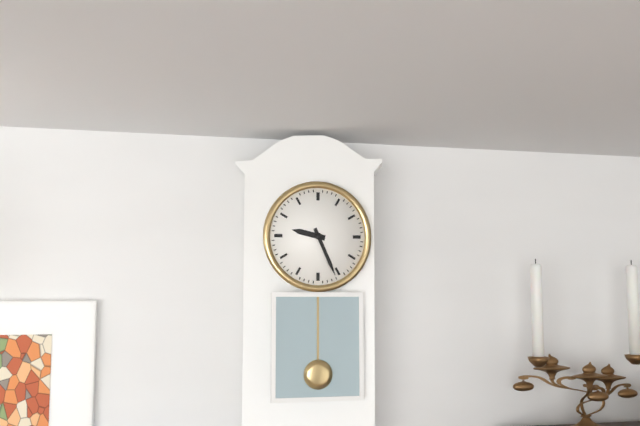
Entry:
**9:26**
